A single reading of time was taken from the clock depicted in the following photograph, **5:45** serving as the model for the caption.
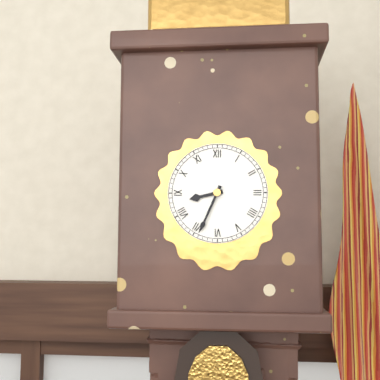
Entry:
**8:34**
